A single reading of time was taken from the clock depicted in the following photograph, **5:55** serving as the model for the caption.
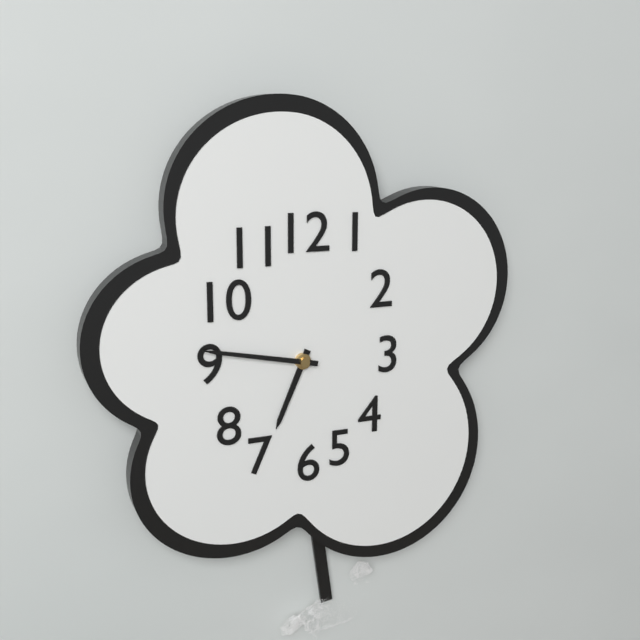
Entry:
**6:47**
